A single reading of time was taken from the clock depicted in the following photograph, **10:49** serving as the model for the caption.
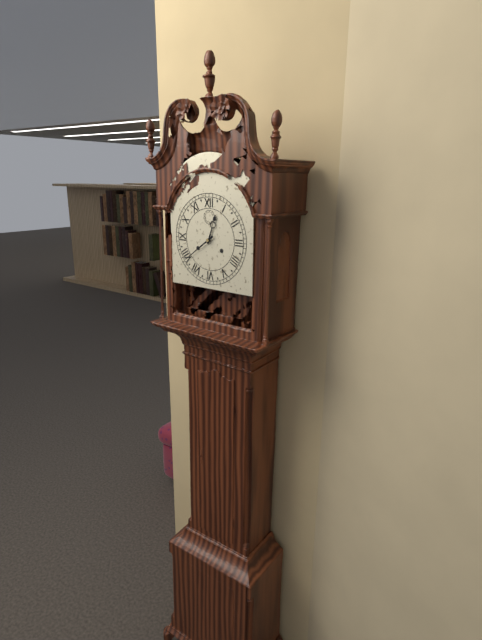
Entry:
**12:39**
